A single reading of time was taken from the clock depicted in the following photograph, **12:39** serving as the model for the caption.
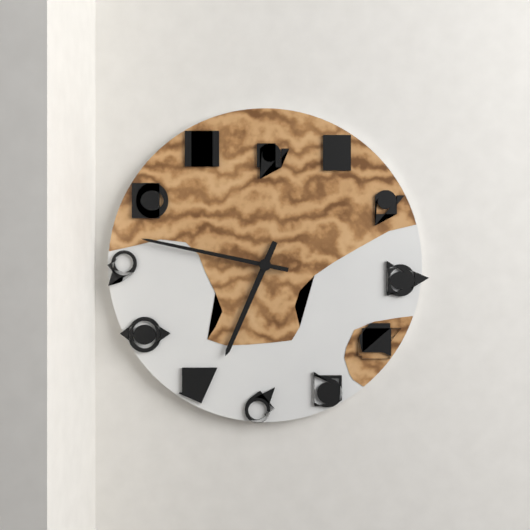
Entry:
**6:47**
